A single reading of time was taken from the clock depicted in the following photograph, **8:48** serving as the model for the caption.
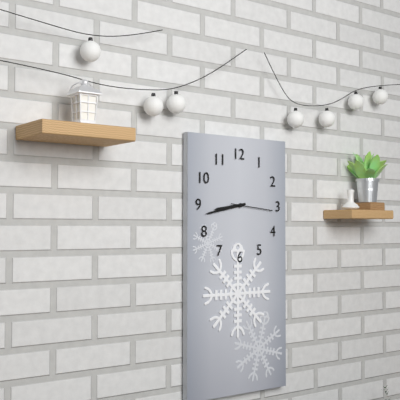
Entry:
**8:43**
